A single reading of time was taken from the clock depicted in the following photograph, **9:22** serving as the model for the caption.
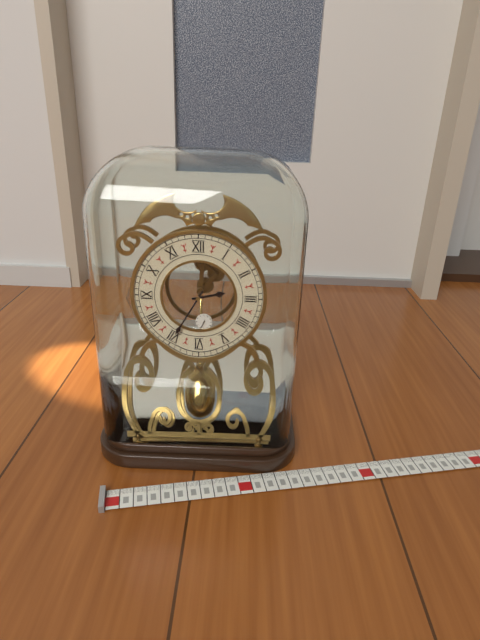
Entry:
**2:35**
